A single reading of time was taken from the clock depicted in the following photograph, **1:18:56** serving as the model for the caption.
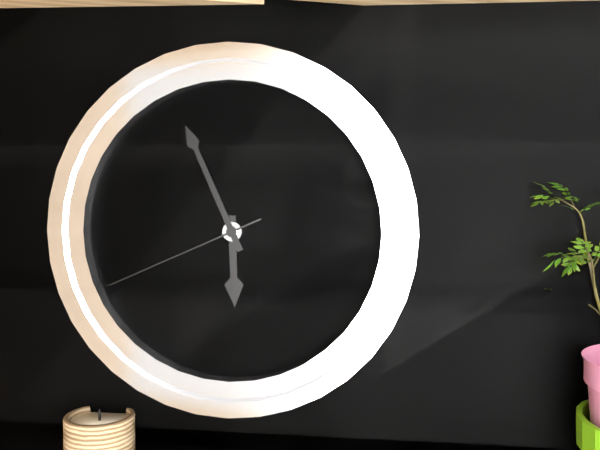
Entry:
**5:56:41**
